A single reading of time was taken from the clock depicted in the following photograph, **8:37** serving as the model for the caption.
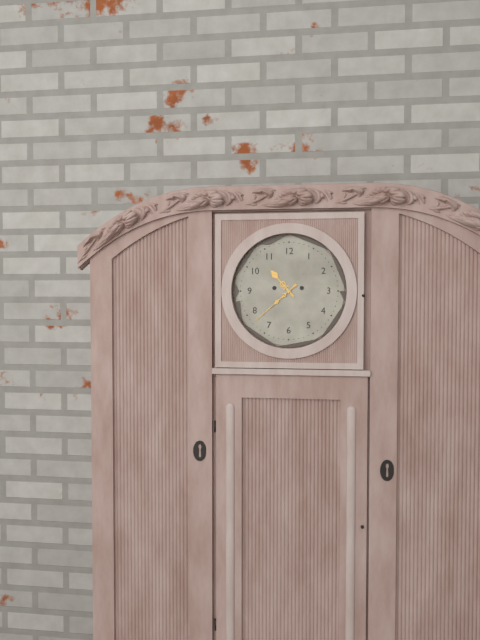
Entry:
**10:38**
